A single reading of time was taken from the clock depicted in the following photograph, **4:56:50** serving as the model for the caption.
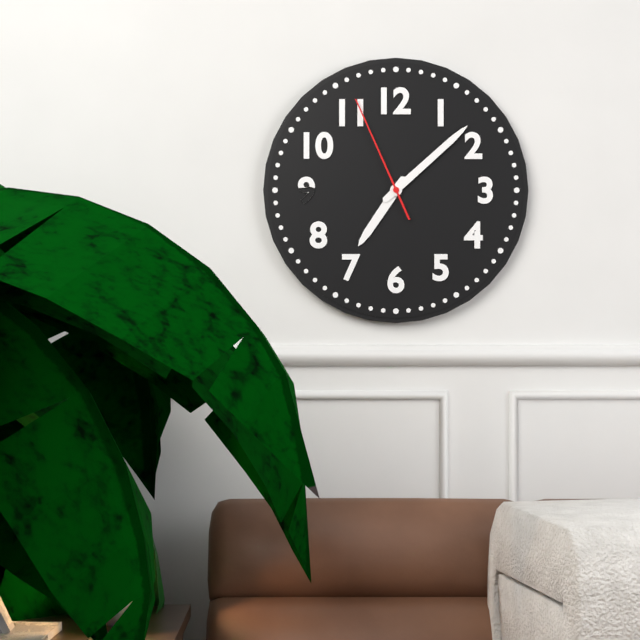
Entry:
**7:08:56**
